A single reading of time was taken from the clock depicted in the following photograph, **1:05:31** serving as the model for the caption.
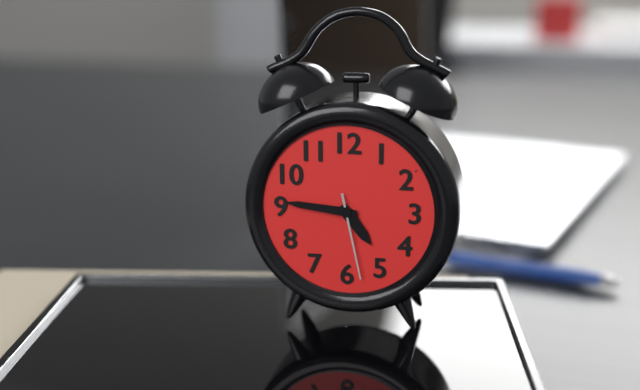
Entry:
**4:46:28**
